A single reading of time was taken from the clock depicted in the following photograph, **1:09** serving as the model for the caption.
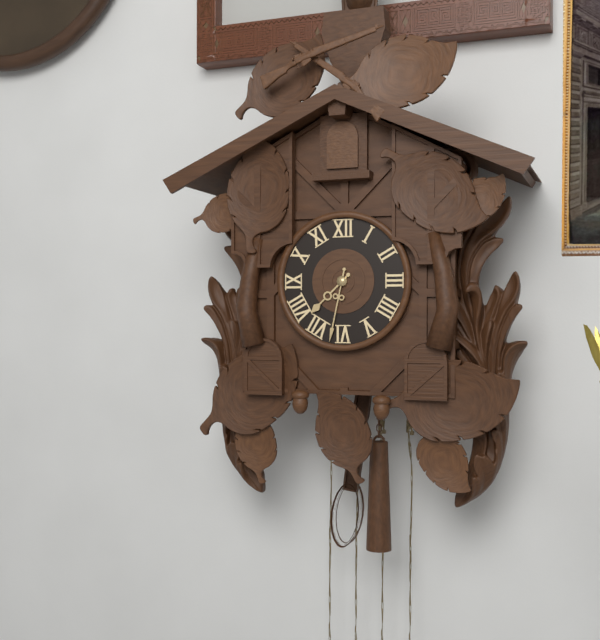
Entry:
**7:32**
